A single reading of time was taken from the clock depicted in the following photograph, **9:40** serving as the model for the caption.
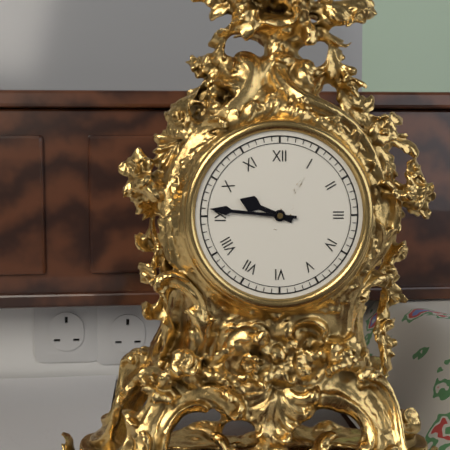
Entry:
**9:46**
